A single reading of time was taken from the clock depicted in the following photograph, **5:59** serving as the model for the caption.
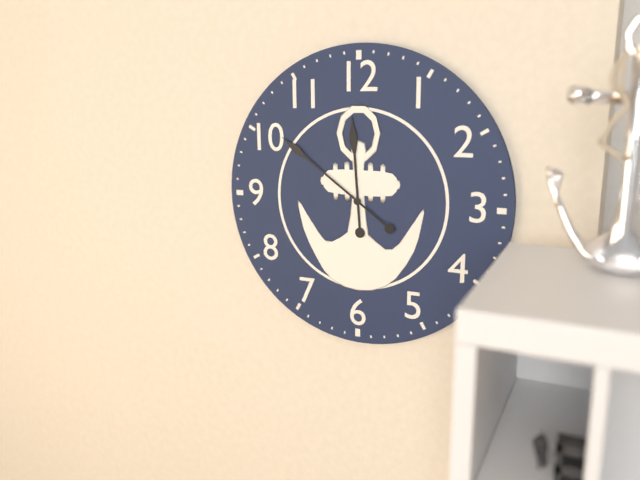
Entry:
**11:51**
